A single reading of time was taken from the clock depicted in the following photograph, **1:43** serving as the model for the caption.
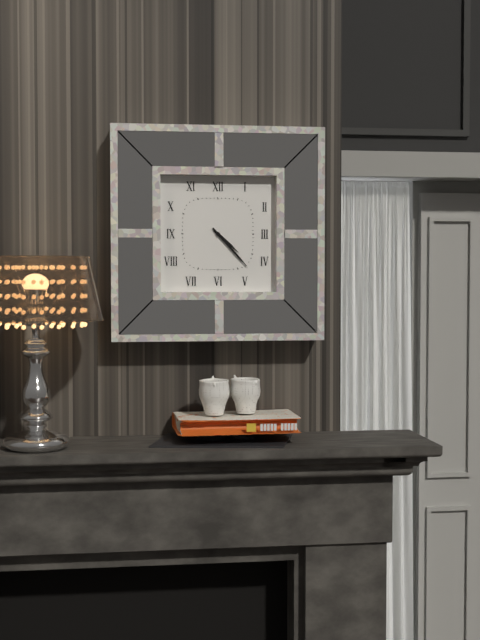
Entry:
**4:23**
